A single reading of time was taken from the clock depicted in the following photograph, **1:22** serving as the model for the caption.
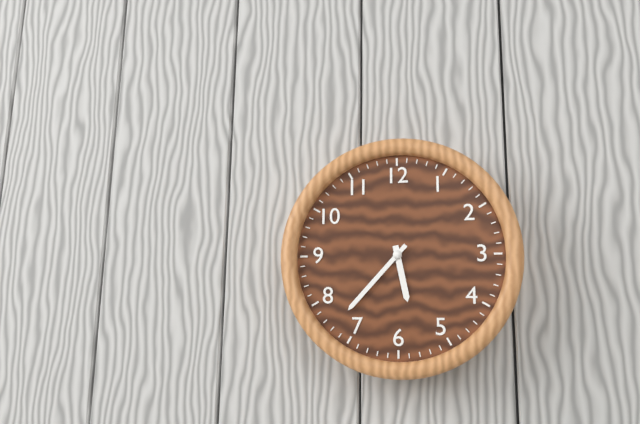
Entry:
**5:37**
